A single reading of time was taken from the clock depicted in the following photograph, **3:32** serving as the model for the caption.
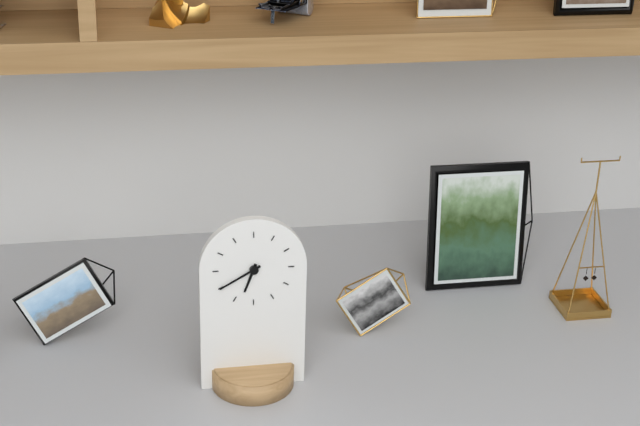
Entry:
**6:40**
